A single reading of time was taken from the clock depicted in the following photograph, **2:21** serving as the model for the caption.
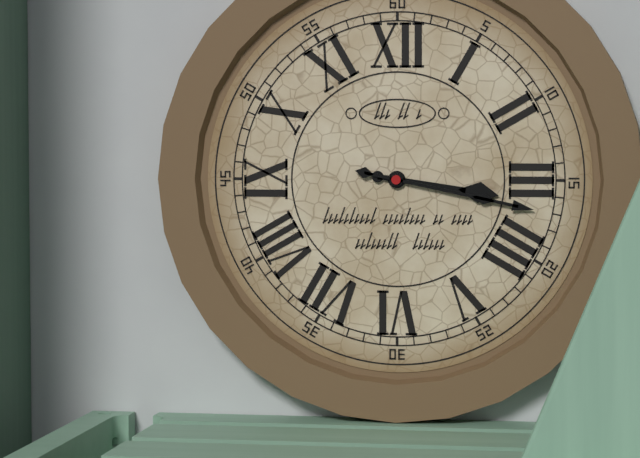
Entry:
**3:17**
